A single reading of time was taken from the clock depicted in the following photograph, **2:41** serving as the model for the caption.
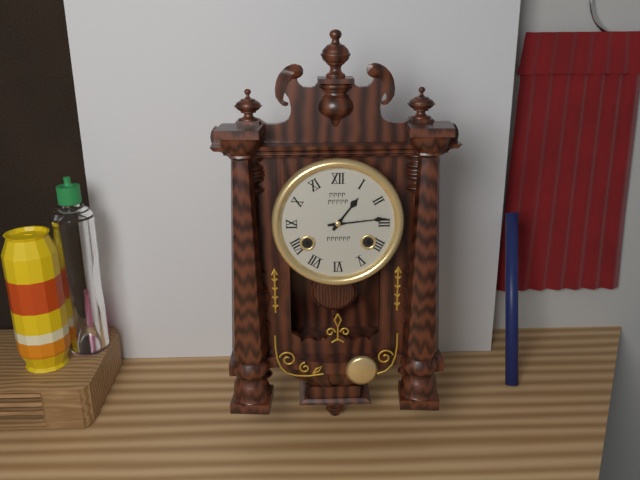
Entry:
**1:14**
